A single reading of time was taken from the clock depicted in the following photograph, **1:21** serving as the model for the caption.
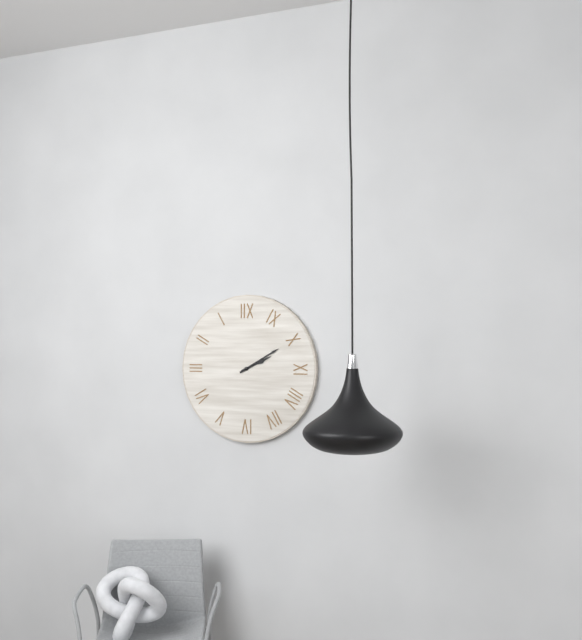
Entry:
**2:10**
